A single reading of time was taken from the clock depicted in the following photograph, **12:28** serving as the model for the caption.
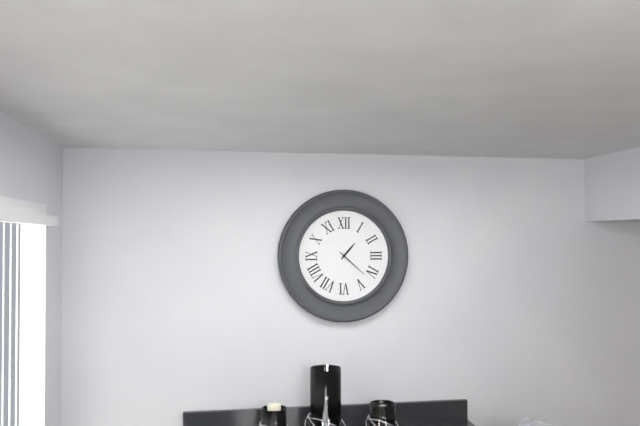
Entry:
**1:22**
